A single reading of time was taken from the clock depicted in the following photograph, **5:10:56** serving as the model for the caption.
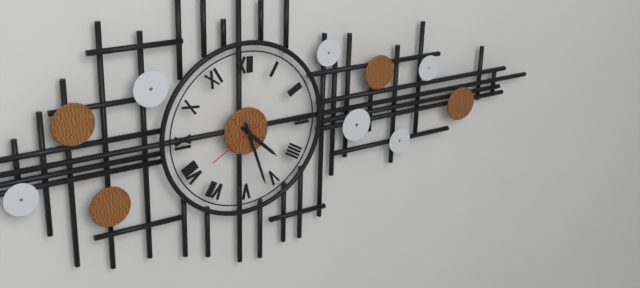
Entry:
**4:27:40**
